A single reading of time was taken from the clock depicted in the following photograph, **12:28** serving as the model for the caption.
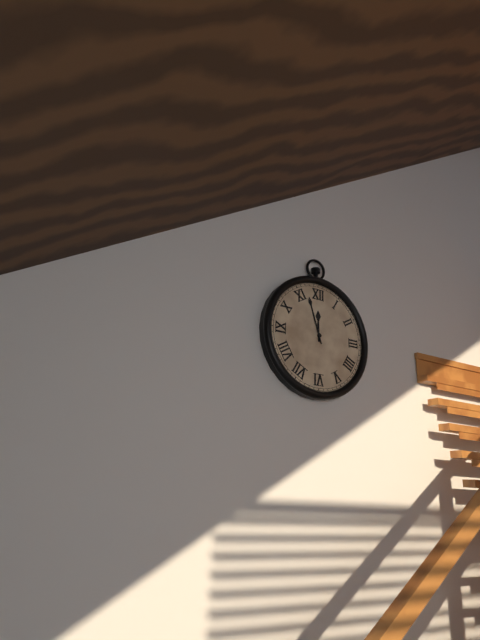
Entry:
**11:57**
